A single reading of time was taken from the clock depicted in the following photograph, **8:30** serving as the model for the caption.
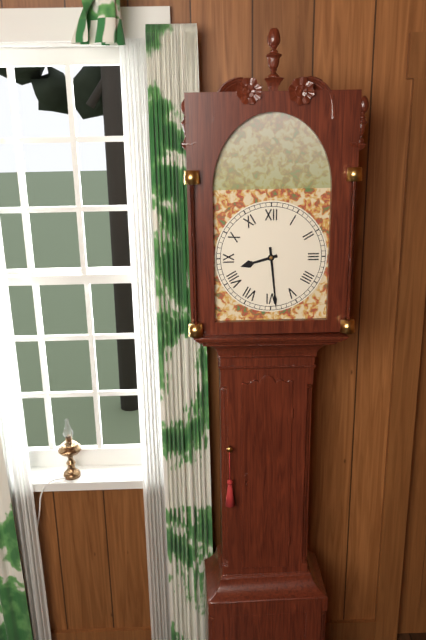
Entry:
**8:29**
